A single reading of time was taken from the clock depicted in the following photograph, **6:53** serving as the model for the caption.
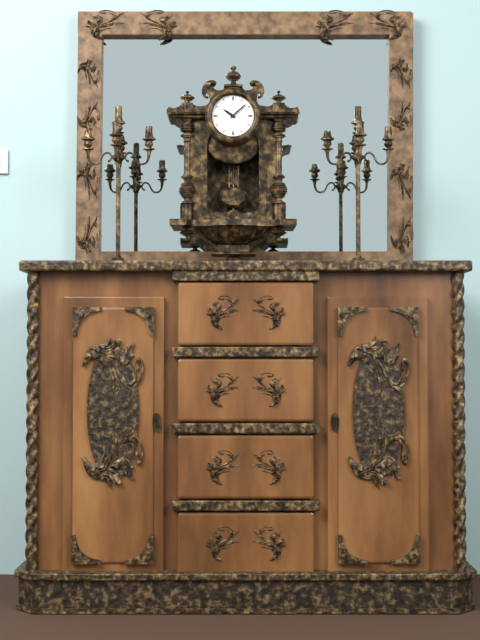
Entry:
**10:08**
